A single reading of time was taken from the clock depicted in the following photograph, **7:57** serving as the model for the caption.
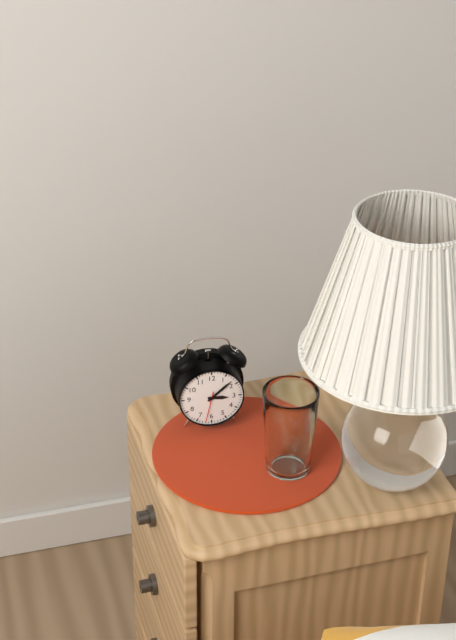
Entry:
**3:08**
